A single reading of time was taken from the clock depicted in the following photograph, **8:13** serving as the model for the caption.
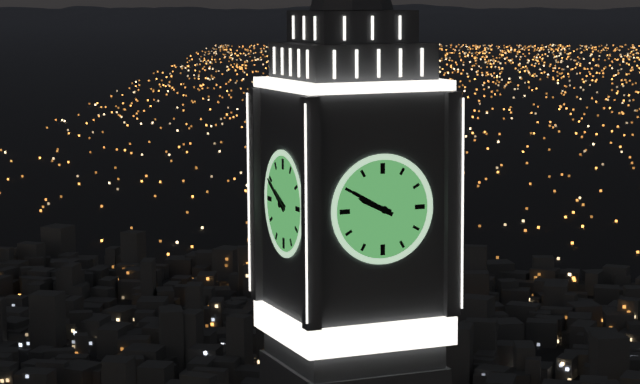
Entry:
**9:50**
